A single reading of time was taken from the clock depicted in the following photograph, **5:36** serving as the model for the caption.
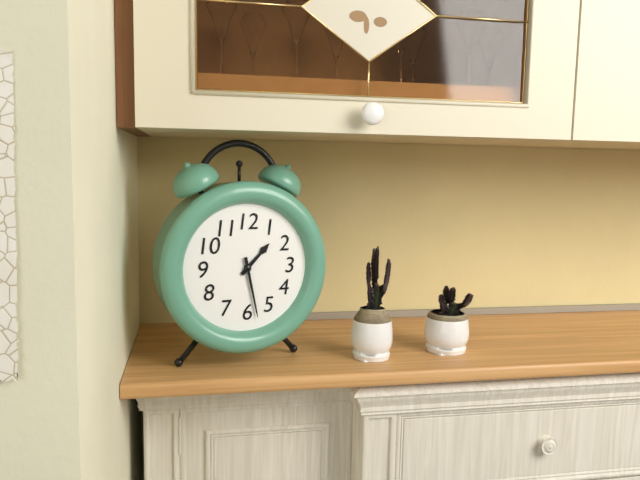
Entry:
**1:28**
